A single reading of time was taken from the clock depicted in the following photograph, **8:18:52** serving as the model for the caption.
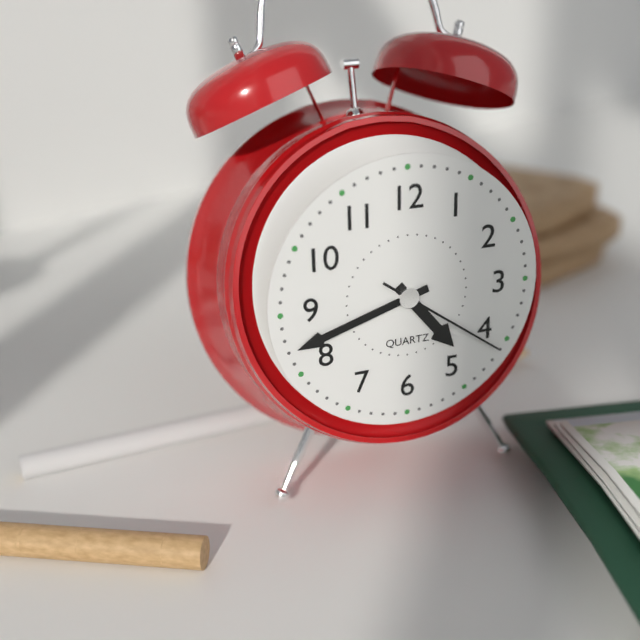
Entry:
**4:42:21**
